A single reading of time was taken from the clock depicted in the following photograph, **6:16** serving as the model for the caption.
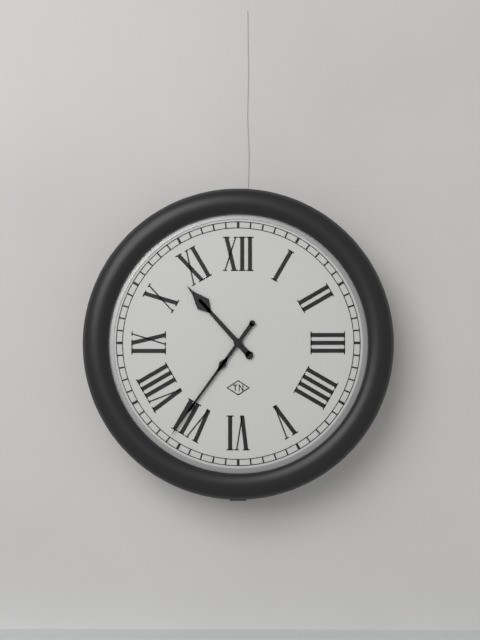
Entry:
**10:36**
